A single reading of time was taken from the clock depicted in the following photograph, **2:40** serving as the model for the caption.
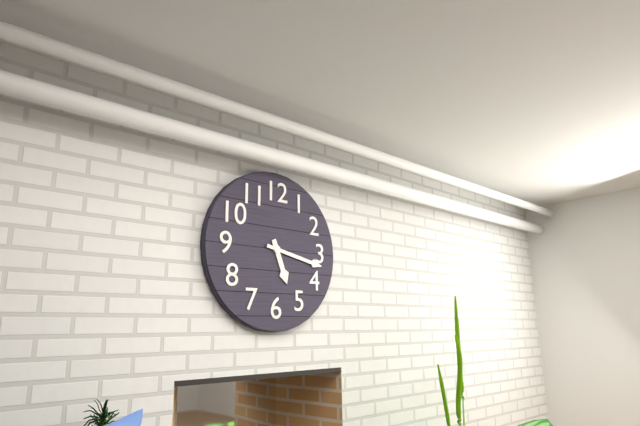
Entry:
**5:17**
